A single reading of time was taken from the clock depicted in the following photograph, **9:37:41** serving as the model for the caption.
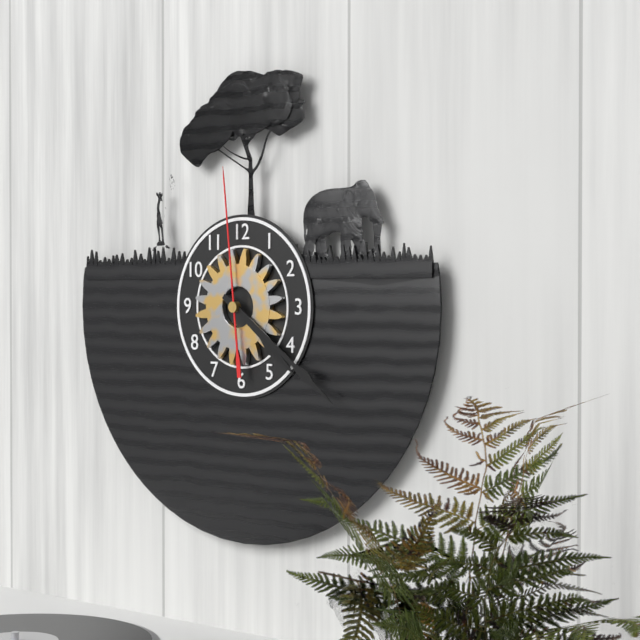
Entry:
**4:21:59**
